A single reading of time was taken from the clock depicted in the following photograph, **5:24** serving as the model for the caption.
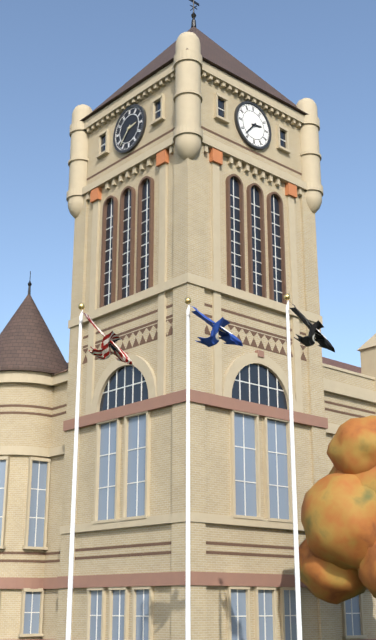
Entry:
**2:37**
